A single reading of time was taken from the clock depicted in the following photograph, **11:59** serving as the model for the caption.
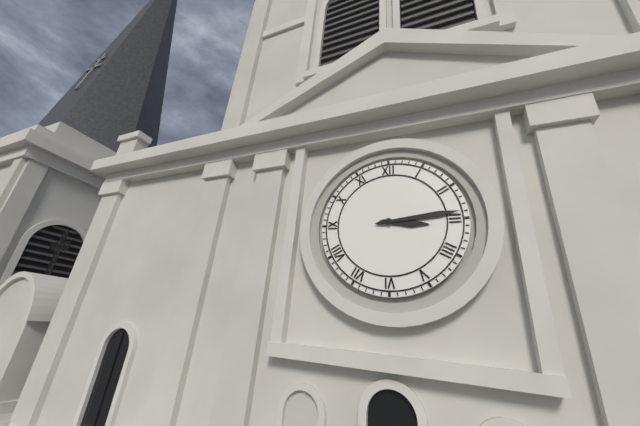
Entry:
**3:14**
